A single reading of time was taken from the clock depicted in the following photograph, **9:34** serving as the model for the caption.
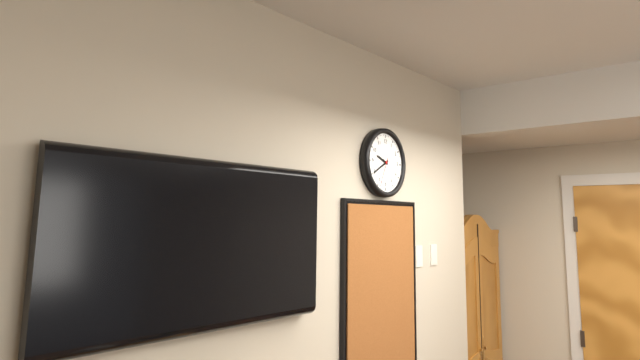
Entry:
**9:40**
